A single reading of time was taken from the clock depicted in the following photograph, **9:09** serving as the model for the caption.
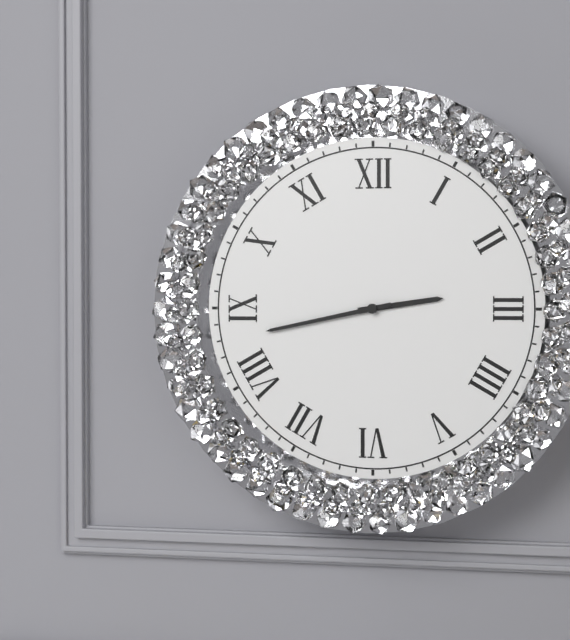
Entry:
**2:43**
